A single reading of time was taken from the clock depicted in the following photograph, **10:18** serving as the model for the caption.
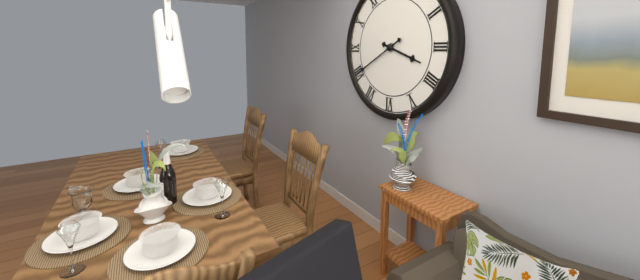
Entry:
**3:40**
